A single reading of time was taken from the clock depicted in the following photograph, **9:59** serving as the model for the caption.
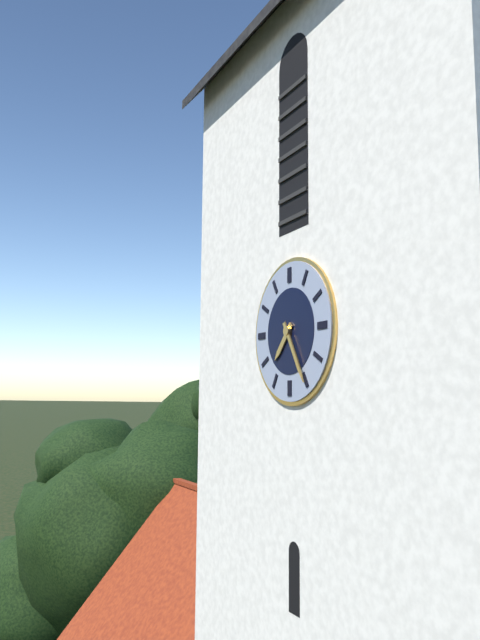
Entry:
**7:25**
